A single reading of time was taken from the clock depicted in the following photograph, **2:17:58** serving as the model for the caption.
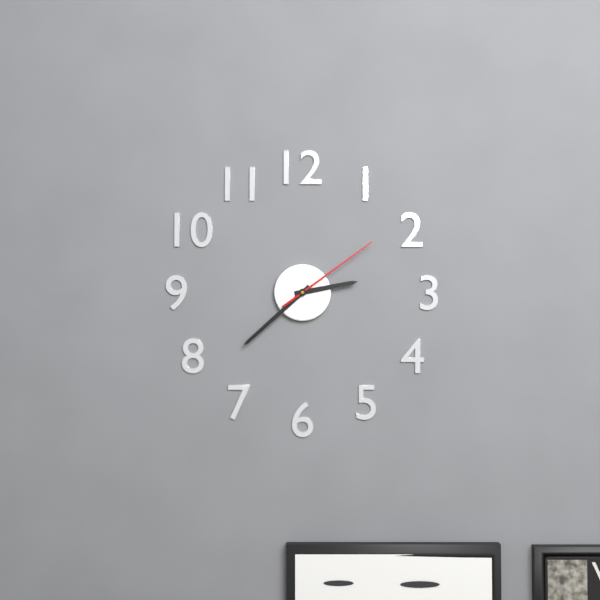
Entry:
**2:38:09**
